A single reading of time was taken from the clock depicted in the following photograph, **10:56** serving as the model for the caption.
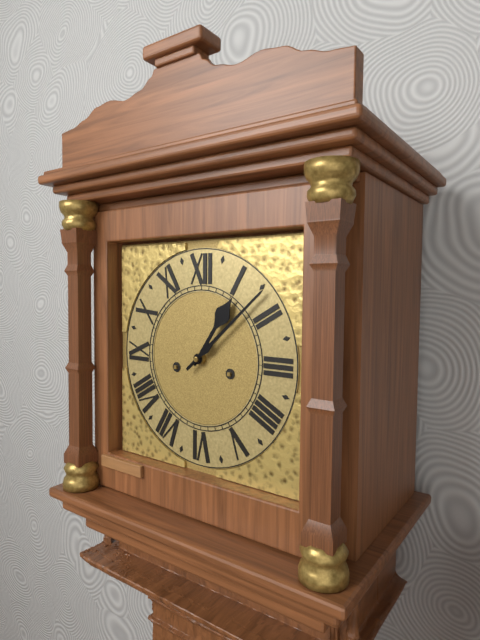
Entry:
**1:08**
